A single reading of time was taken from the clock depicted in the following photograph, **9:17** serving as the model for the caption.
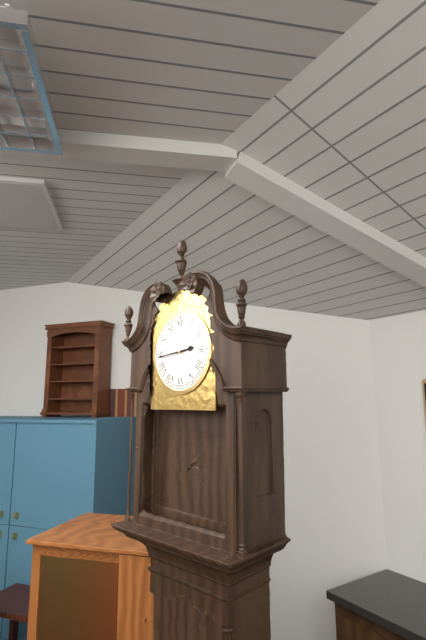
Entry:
**2:44**
